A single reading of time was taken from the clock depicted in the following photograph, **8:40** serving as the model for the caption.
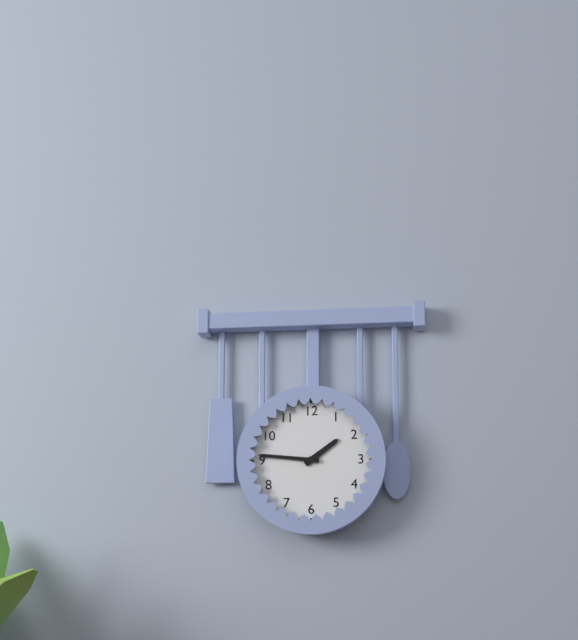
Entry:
**1:46**
